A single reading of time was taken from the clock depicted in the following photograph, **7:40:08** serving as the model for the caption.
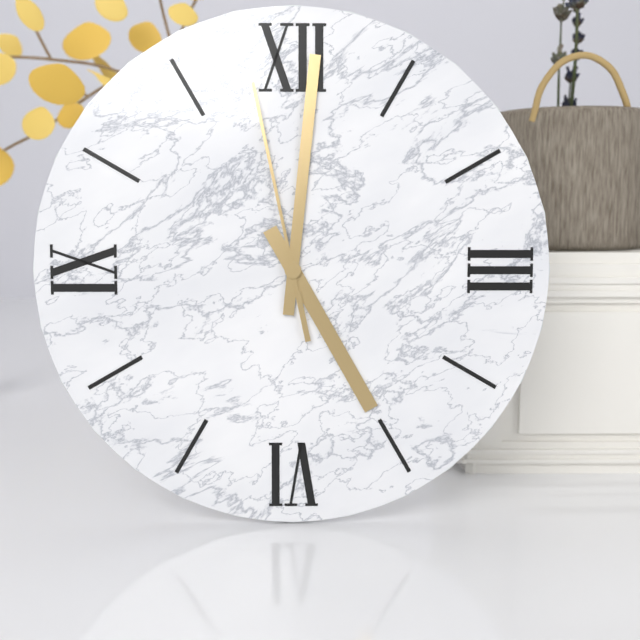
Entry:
**5:01:58**
